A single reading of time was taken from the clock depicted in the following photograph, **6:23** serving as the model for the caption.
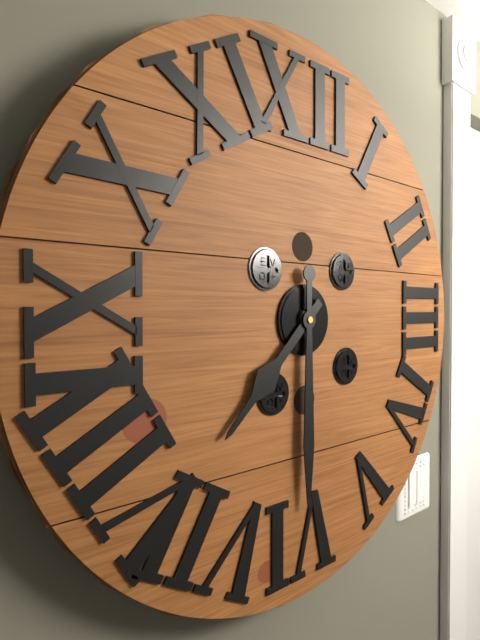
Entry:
**7:30**
